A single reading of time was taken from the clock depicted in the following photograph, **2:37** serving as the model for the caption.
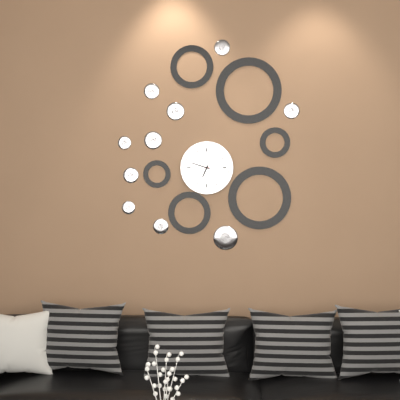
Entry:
**6:48**
